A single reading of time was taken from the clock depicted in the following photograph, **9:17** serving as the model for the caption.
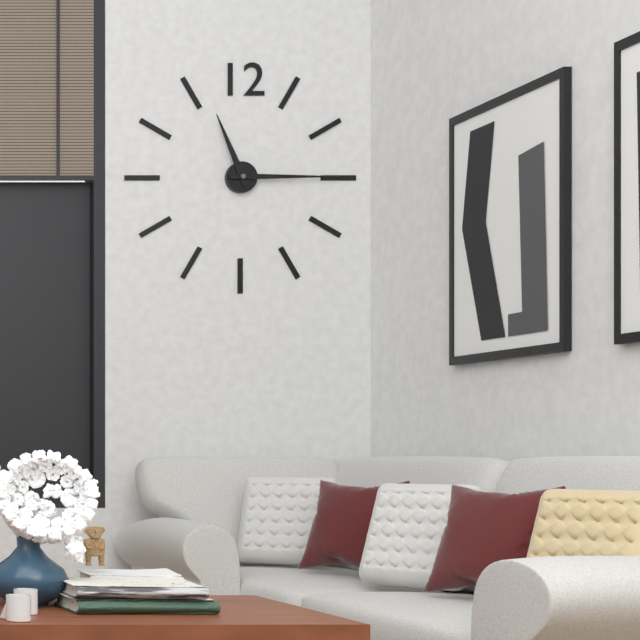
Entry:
**11:15**
